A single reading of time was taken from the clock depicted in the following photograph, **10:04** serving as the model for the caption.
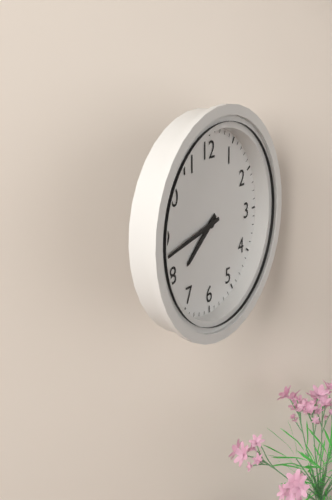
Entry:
**7:43**
